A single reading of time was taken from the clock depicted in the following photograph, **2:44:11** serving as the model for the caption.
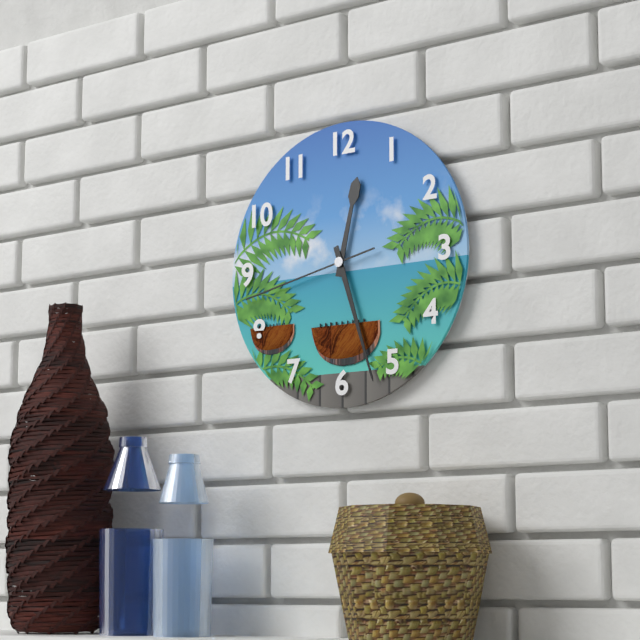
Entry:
**12:27:43**
